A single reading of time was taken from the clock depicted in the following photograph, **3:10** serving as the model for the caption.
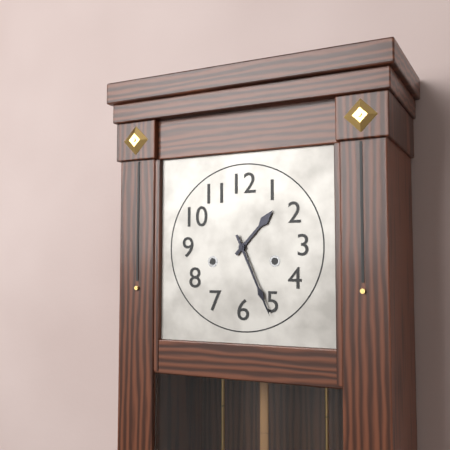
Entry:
**1:26**
